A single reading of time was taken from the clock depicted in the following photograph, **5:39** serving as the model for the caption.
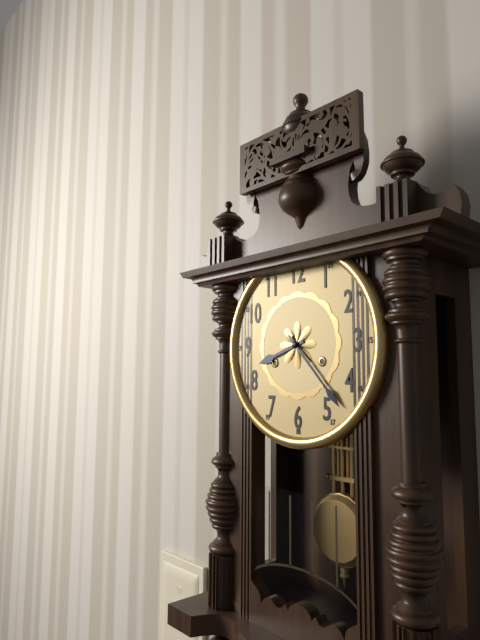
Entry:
**8:23**
